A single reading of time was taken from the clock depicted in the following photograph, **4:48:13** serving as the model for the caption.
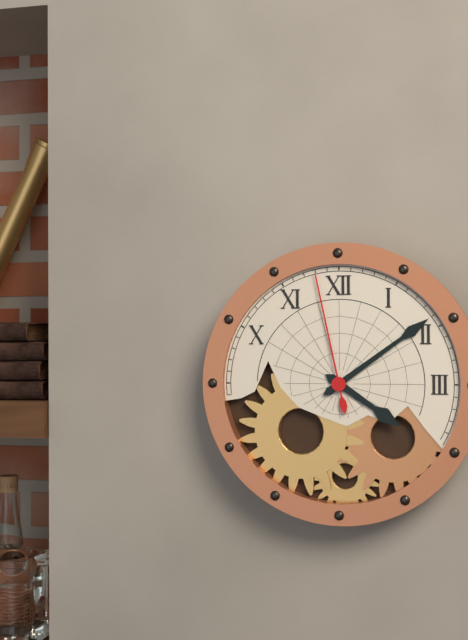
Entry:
**4:09:58**
